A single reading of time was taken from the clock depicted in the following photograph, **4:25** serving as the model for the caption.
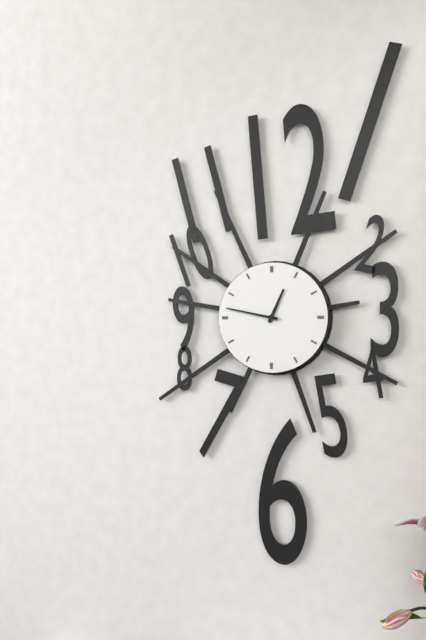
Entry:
**12:47**
